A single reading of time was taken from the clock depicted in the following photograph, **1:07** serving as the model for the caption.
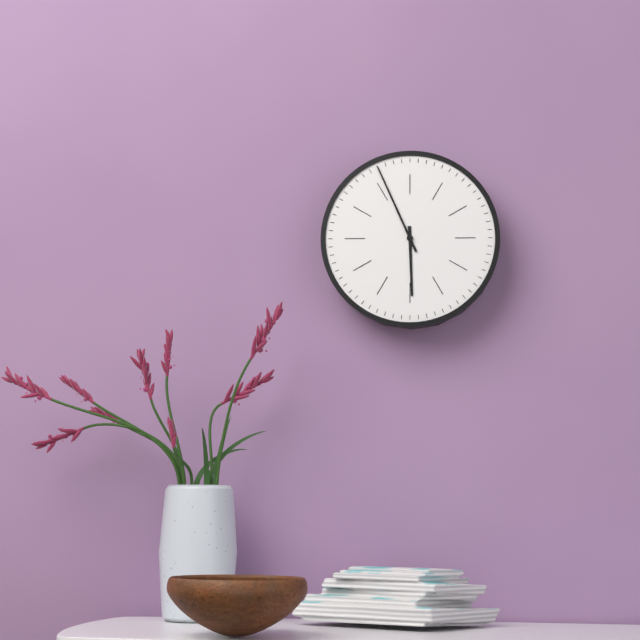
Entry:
**5:56**
